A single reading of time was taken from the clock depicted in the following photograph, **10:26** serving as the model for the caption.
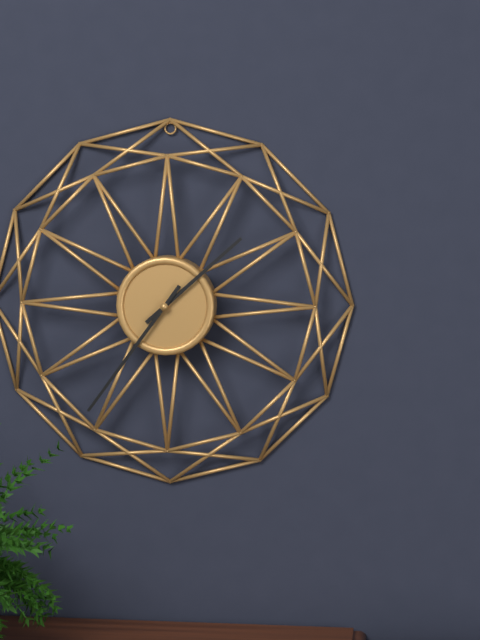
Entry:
**1:36**
